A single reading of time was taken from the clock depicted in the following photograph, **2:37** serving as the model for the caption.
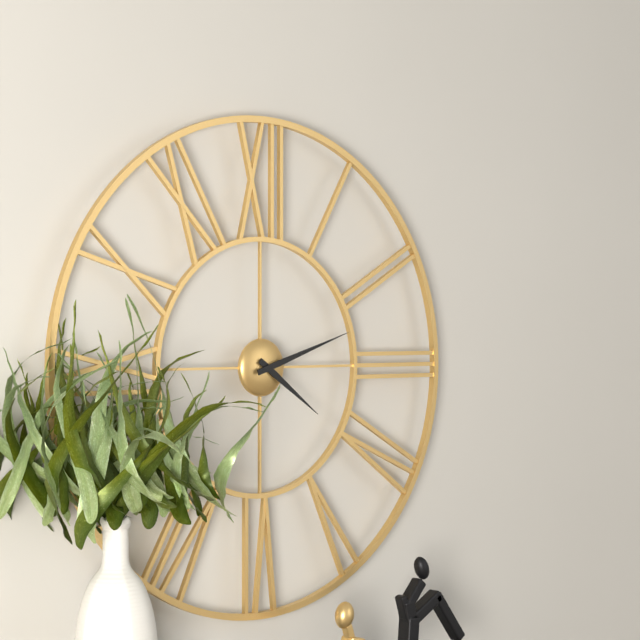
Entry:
**4:12**
